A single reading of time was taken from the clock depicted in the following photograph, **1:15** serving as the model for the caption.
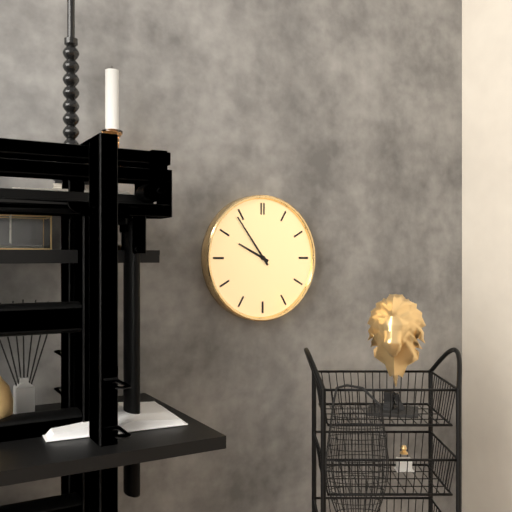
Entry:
**9:54**
